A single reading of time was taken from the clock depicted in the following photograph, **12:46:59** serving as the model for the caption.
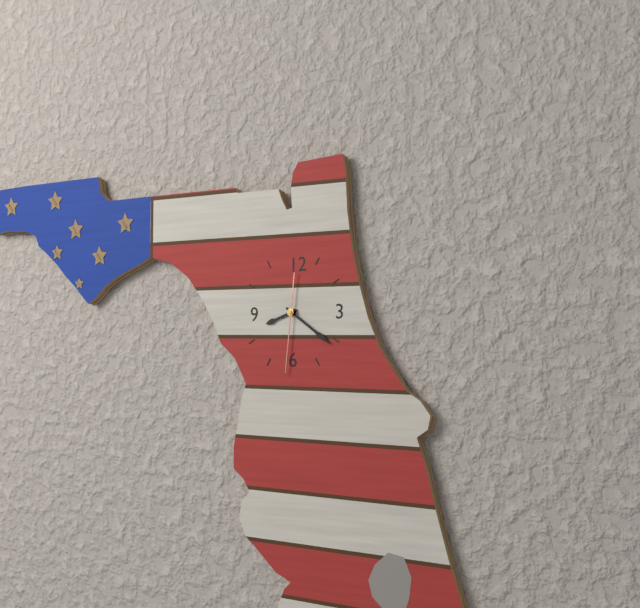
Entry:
**8:21:31**
